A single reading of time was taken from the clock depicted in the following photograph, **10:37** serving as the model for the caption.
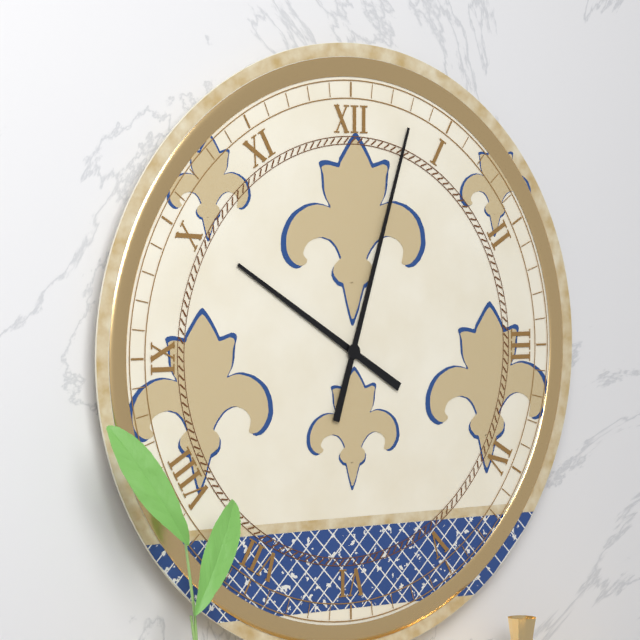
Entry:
**10:03**
